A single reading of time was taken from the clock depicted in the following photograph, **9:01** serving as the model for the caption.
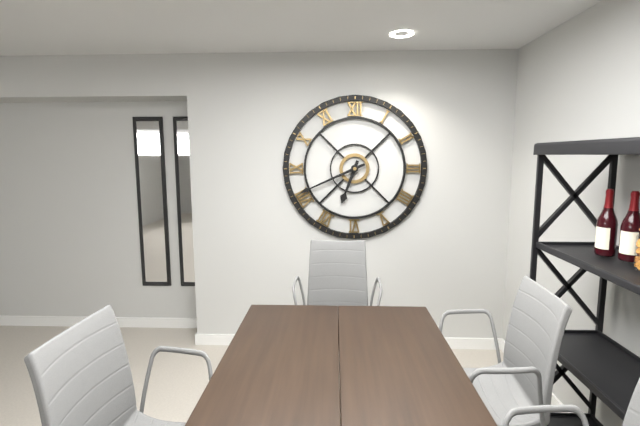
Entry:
**6:41**
